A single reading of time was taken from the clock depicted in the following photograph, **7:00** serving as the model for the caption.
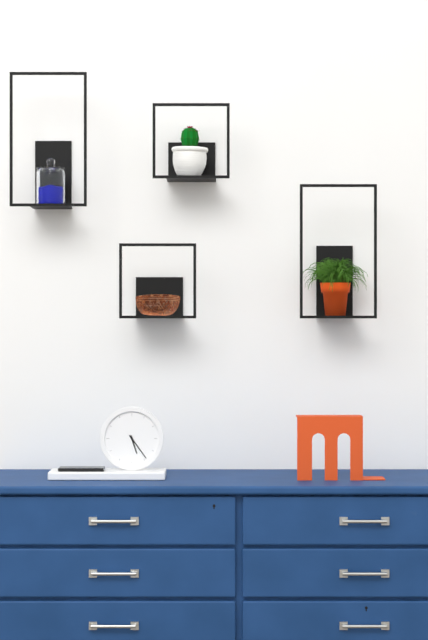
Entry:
**5:24**
